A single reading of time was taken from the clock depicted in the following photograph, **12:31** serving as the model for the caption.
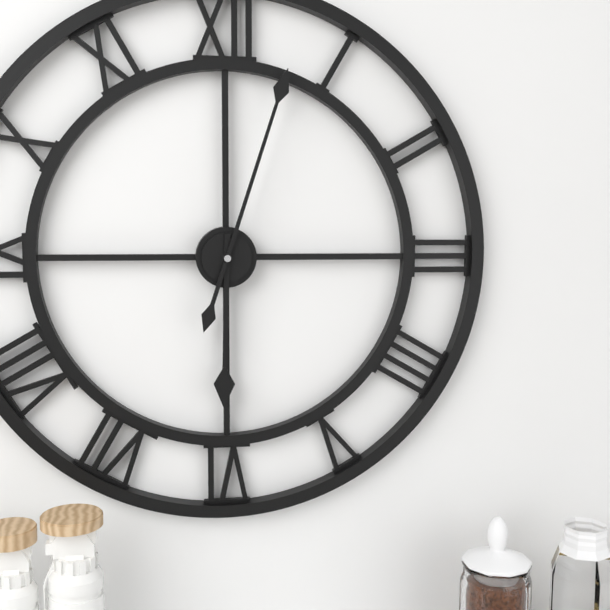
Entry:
**6:03**
